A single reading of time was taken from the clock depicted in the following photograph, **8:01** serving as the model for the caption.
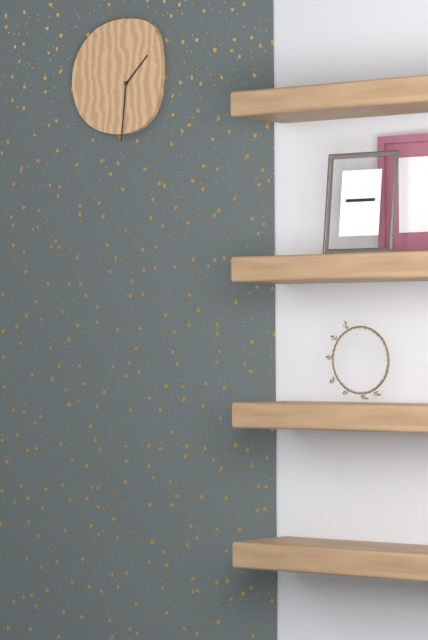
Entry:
**1:31**
